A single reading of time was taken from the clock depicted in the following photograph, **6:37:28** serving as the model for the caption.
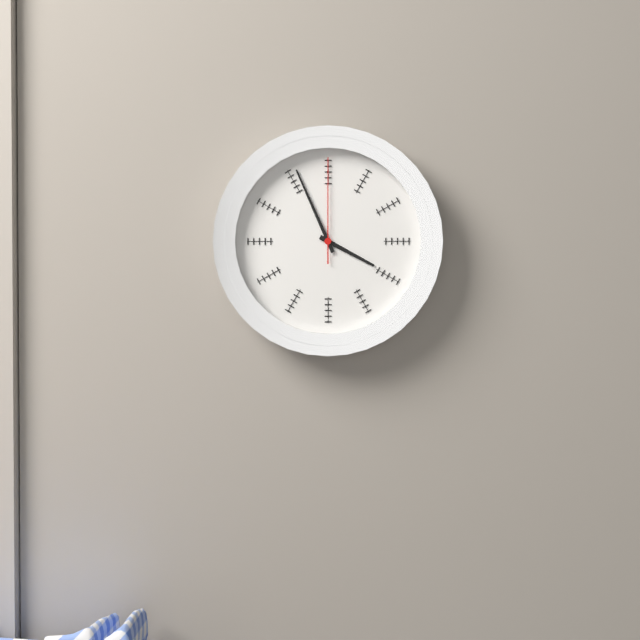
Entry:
**3:56:00**
